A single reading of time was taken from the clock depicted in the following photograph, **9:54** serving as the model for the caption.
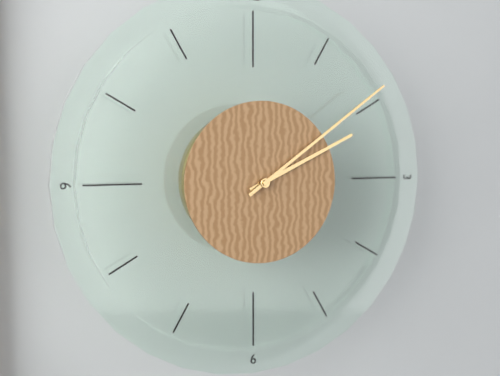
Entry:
**2:09**
